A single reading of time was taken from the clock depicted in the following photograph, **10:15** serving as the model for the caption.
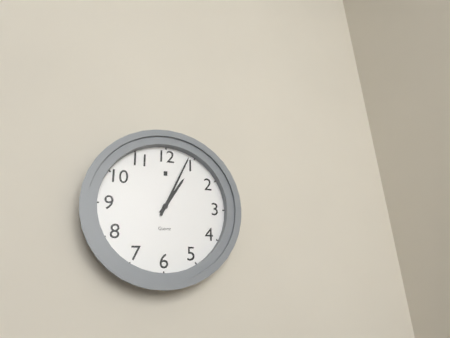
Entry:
**1:04**
